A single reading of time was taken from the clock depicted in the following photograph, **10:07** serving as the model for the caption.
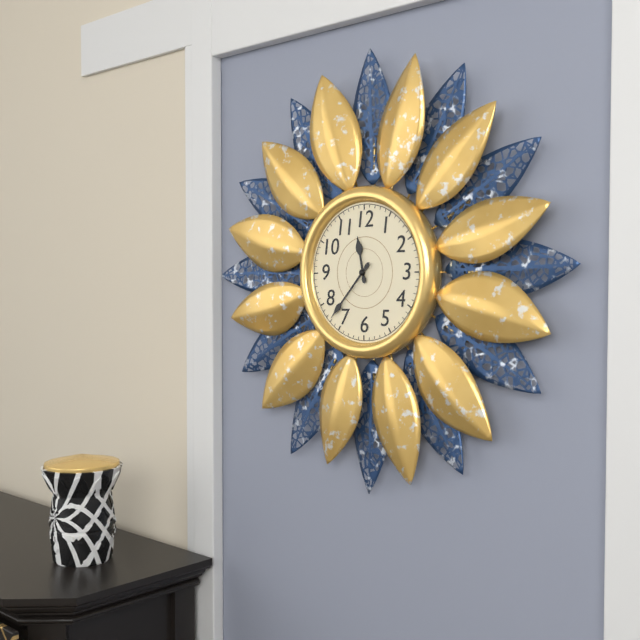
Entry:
**11:37**
